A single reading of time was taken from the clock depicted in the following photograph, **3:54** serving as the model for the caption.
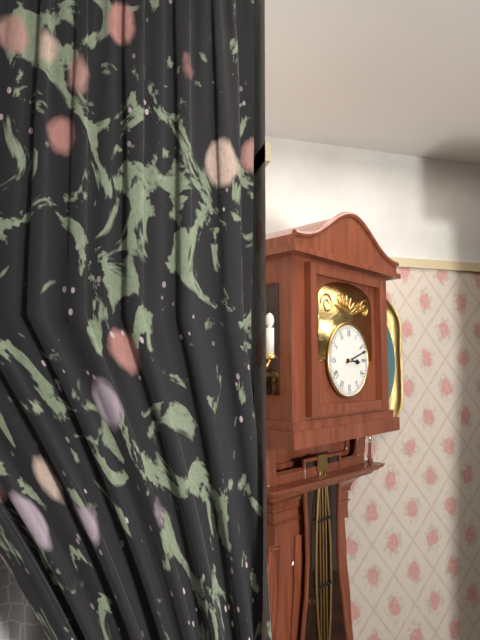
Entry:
**3:12**
